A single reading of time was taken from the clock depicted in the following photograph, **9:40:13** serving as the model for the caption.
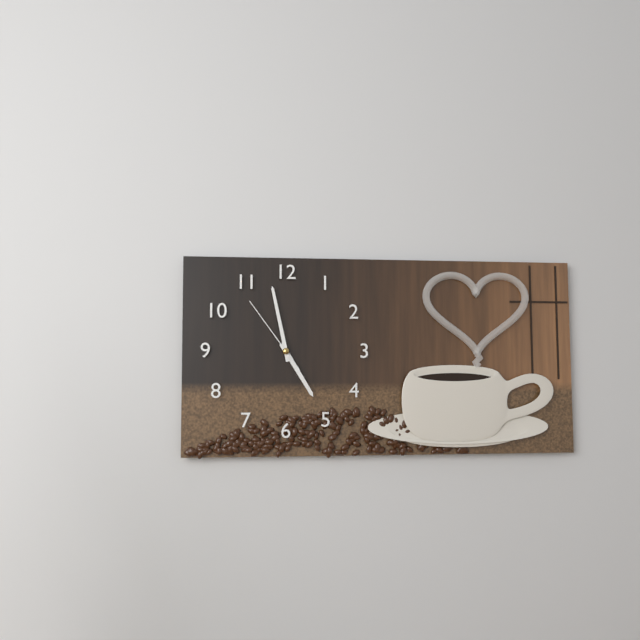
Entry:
**4:58:54**
